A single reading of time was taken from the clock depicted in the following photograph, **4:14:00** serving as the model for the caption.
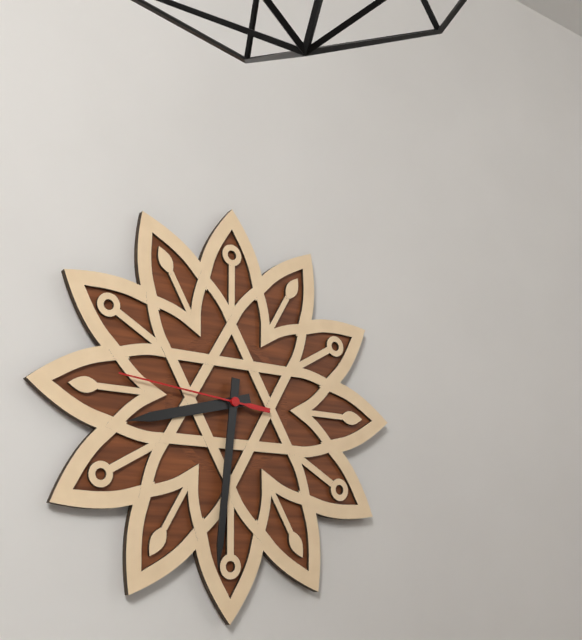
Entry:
**8:31:46**
